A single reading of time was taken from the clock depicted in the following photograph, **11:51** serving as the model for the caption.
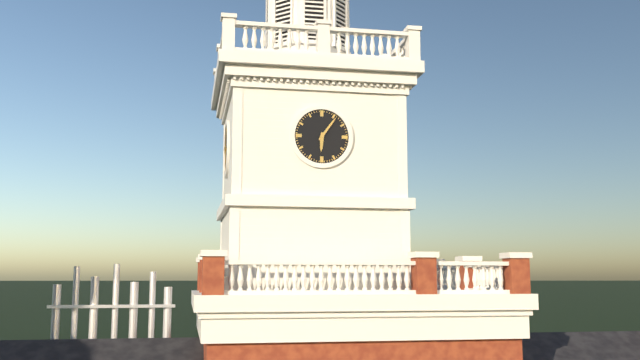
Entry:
**6:06**
